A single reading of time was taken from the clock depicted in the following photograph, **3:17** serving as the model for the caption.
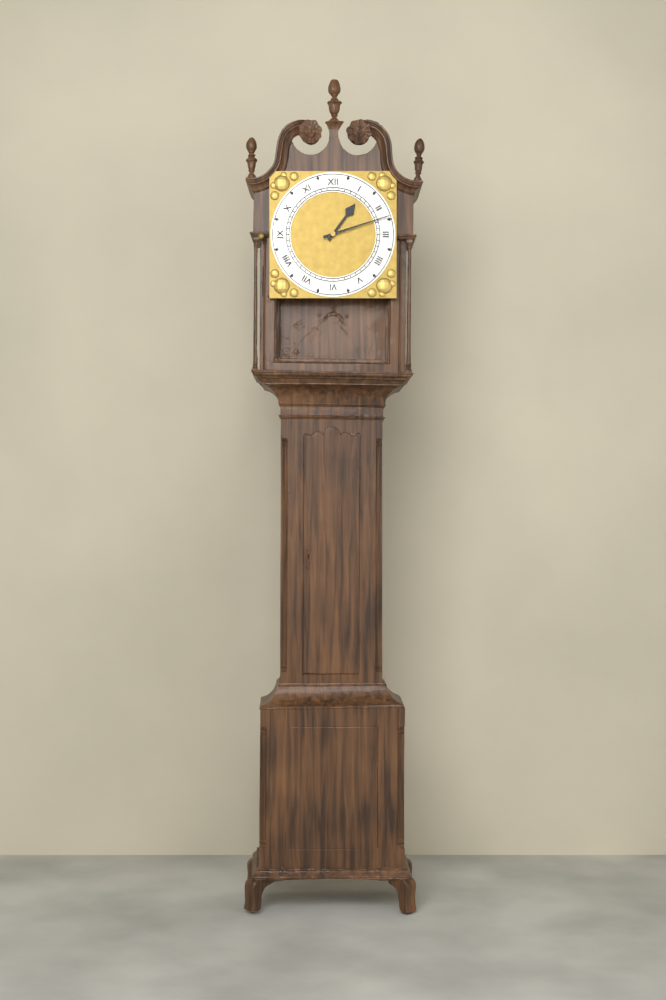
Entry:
**1:12**
